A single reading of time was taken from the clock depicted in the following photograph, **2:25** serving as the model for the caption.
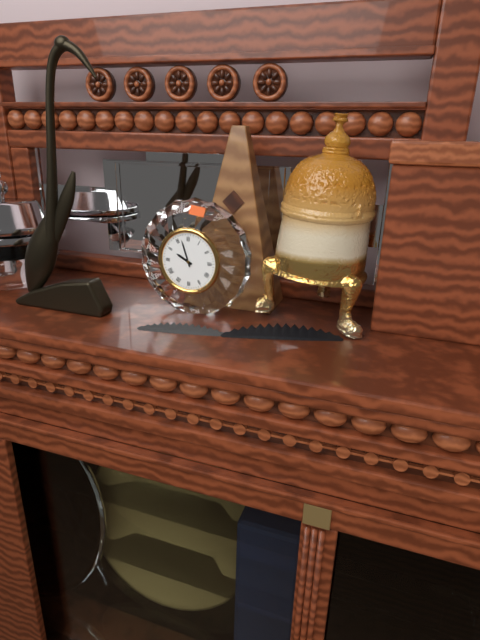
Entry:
**9:57**
